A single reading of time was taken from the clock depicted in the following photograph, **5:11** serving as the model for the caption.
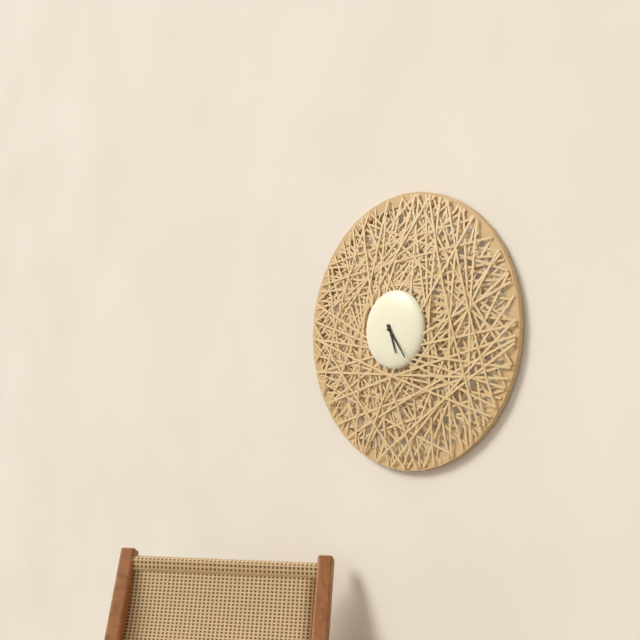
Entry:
**5:24**
